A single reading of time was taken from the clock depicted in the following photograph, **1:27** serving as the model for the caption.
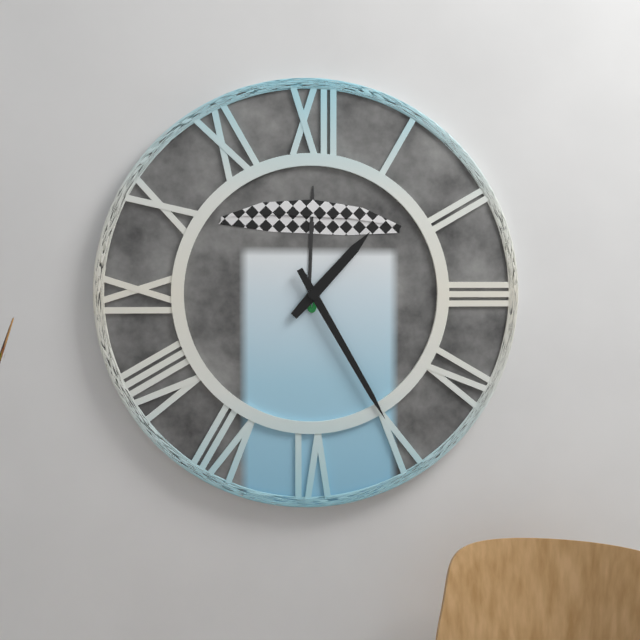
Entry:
**1:25**
